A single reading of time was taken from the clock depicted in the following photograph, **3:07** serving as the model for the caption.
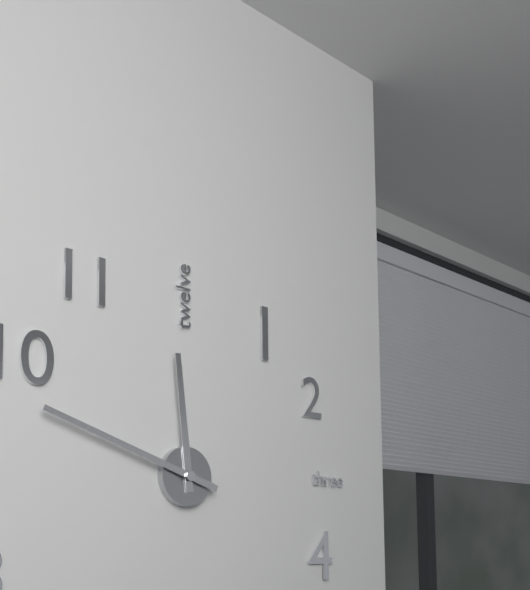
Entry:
**11:48**
